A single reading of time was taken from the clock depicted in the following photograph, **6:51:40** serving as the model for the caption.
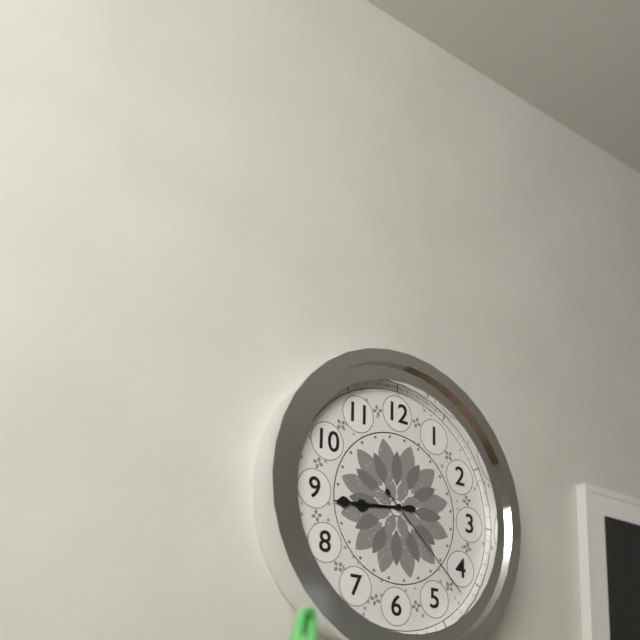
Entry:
**8:44:22**
